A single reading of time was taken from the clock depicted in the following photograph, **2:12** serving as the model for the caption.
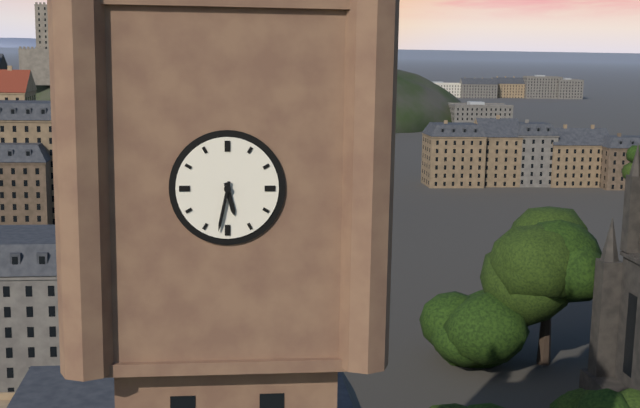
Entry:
**5:32**
